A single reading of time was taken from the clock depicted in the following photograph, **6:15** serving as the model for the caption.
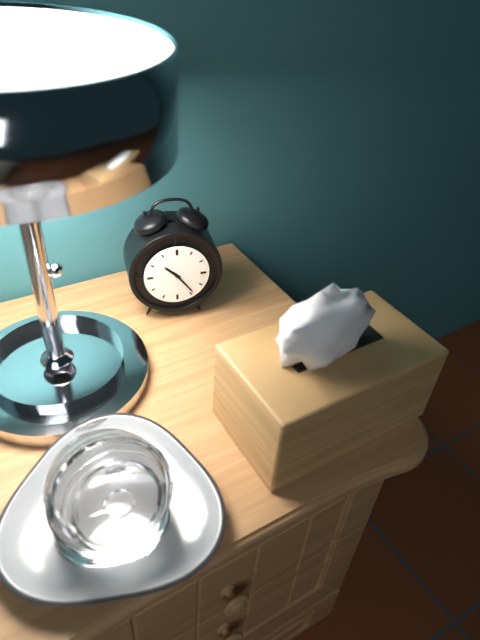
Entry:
**10:24**
